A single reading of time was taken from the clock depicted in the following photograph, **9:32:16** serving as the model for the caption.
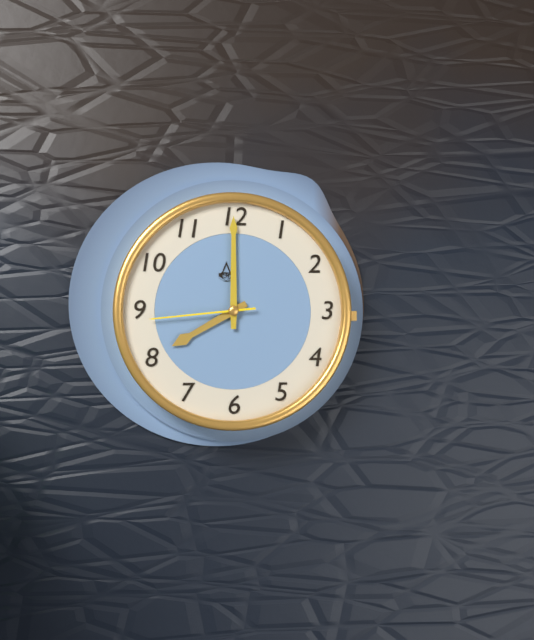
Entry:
**8:00:44**
